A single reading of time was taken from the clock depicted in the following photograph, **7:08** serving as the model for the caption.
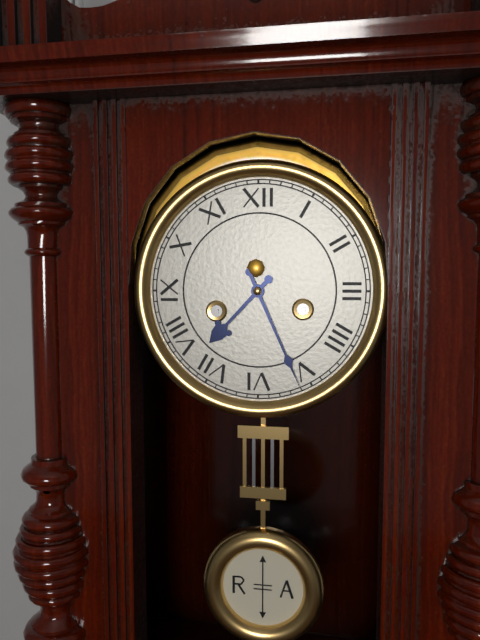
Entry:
**7:26**
